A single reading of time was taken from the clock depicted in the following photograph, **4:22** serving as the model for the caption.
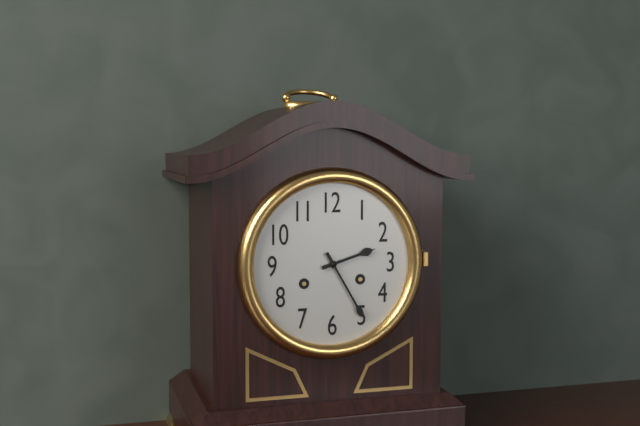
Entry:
**2:25**
